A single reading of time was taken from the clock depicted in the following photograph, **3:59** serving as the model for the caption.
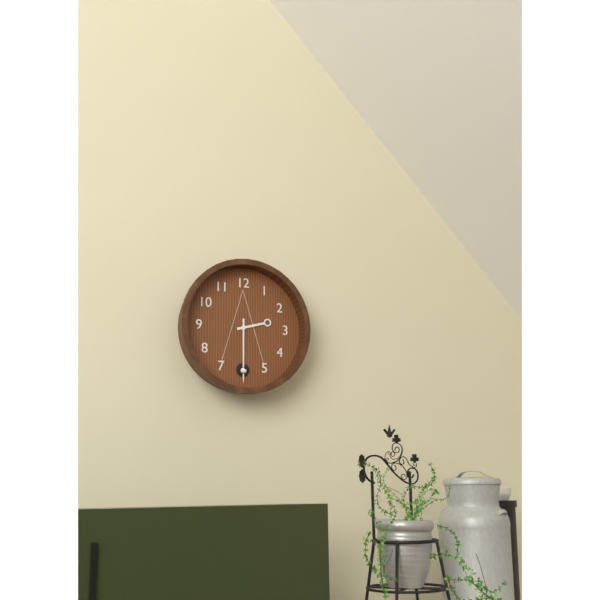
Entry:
**2:30**
